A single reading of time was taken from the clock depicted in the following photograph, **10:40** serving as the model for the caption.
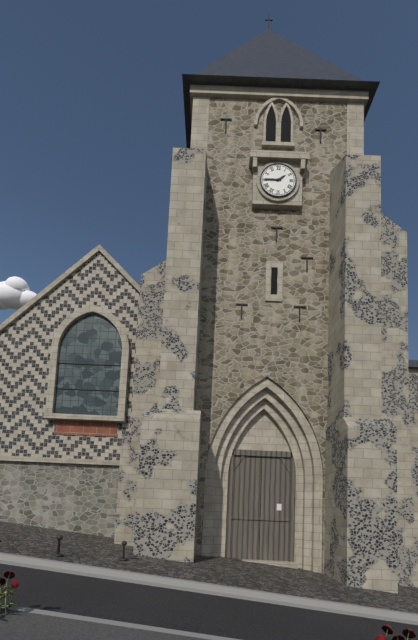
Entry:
**1:45**
